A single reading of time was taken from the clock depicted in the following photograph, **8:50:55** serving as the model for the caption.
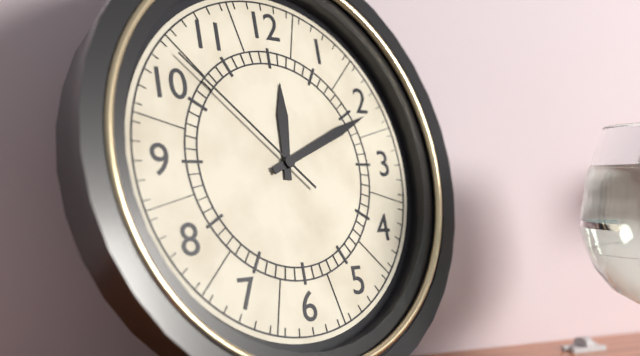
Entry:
**12:11:52**
